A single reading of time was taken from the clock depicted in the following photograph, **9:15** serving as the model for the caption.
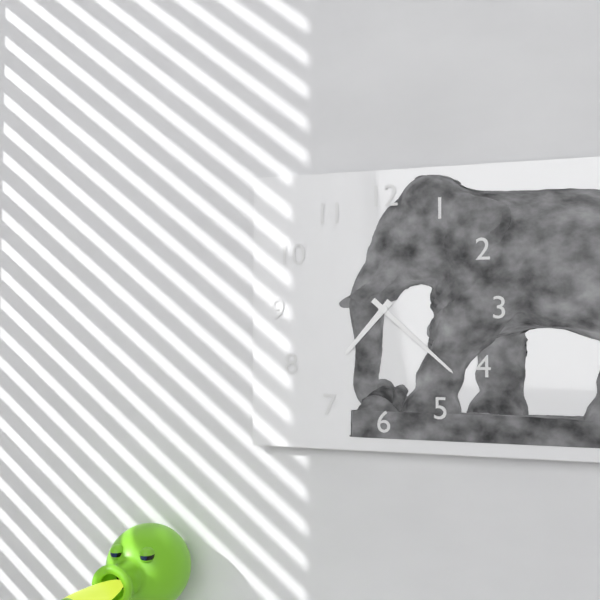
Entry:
**7:22**
